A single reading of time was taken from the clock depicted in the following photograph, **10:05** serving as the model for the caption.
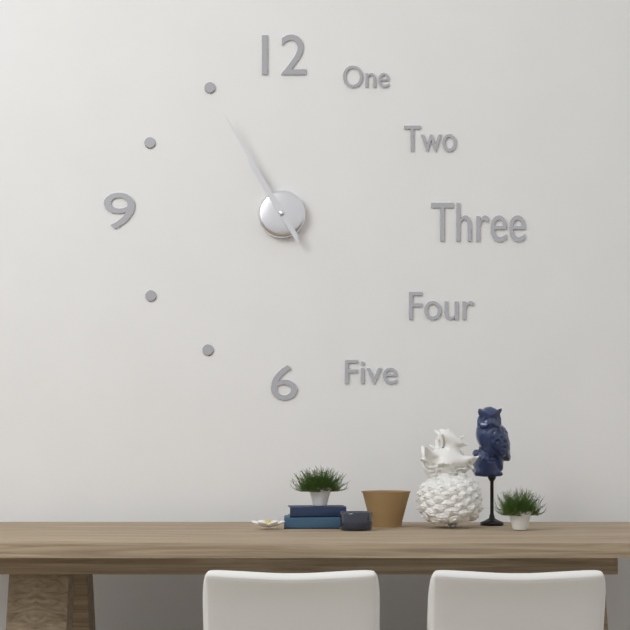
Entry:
**10:55**
